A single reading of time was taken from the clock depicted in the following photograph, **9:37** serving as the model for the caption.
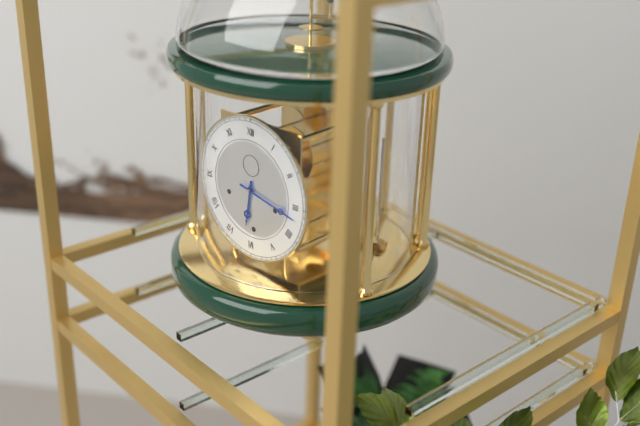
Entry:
**6:17**
